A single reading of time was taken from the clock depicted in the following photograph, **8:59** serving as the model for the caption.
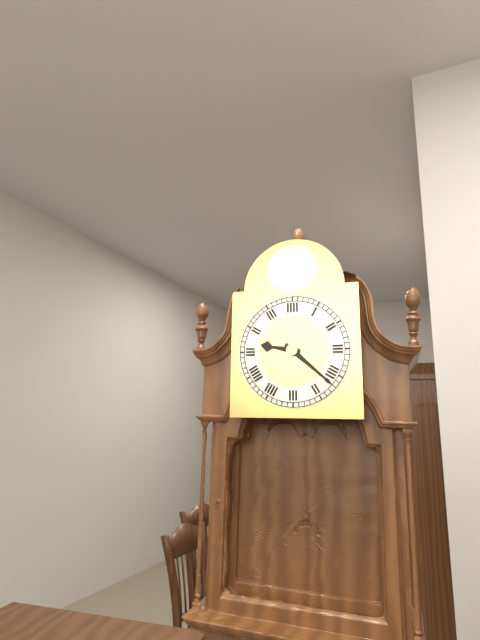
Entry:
**9:22**
